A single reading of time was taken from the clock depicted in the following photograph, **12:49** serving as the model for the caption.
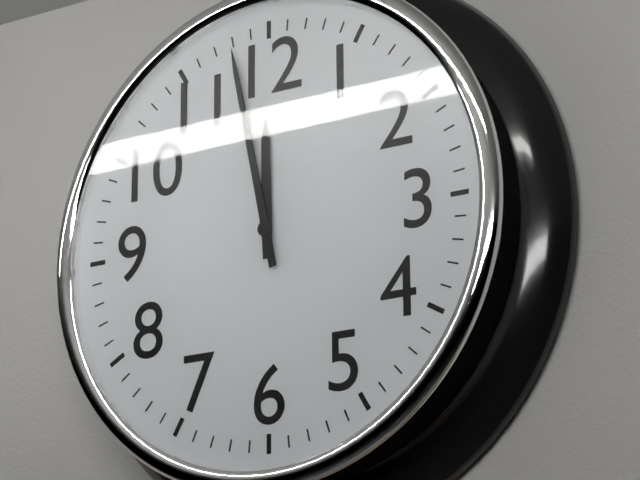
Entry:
**11:58**
